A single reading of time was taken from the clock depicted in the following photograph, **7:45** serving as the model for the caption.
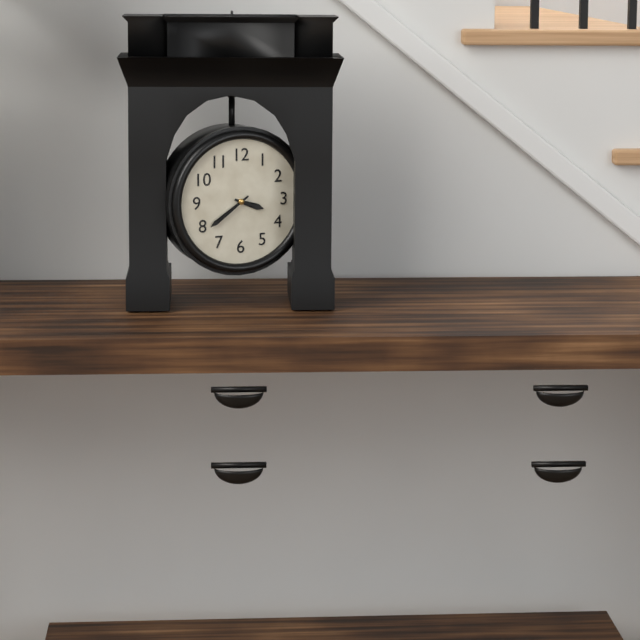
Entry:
**3:39**
